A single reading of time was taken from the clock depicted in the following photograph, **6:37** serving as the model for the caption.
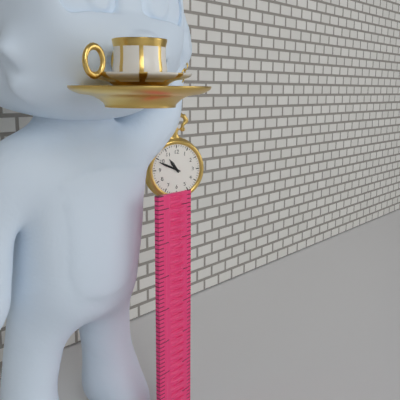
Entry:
**10:49**
